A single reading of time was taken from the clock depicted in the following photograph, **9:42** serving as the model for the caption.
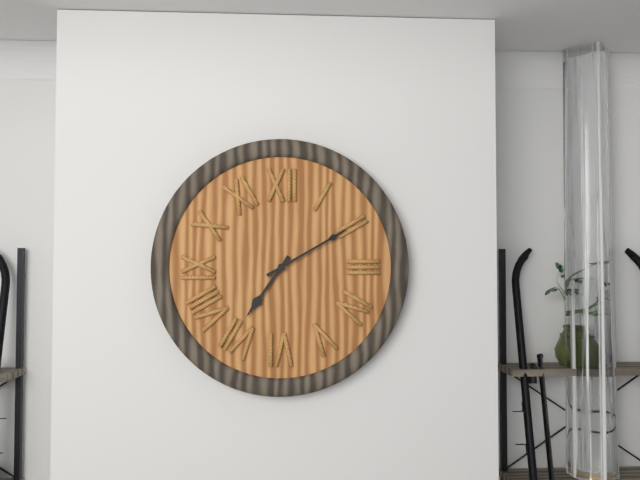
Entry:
**7:10**
